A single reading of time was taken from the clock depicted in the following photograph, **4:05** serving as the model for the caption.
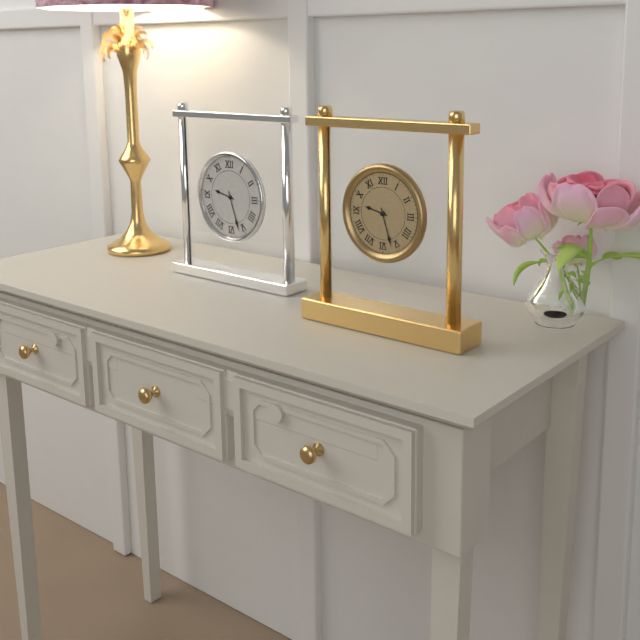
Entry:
**9:27**
